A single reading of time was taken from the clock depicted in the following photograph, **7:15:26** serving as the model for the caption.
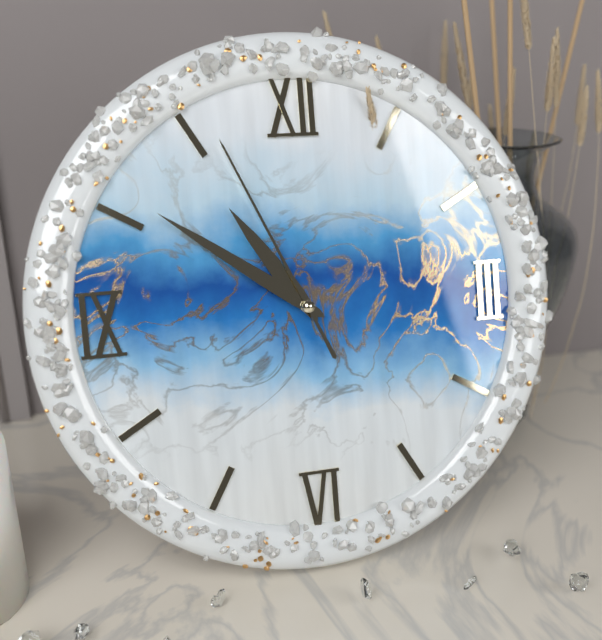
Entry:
**10:51:56**
